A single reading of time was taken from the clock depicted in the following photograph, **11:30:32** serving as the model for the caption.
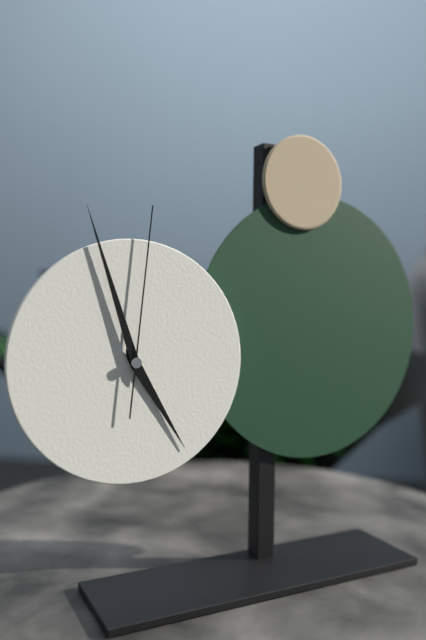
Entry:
**4:57:01**
